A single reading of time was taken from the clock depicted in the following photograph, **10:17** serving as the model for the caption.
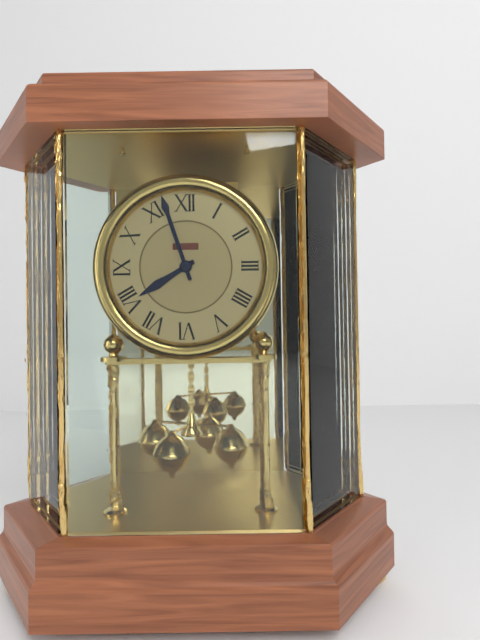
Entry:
**7:57**
